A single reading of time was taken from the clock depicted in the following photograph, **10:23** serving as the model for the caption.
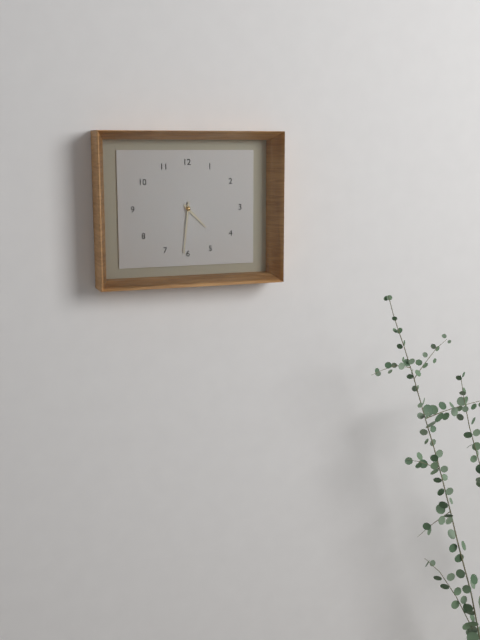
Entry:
**4:31**
